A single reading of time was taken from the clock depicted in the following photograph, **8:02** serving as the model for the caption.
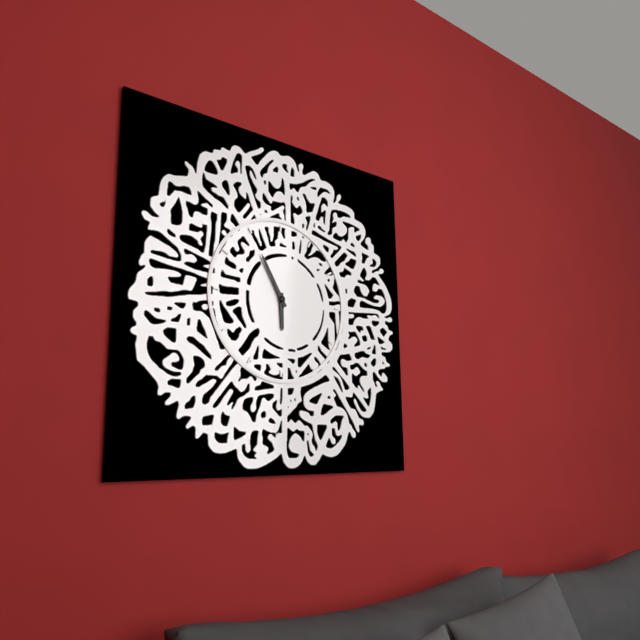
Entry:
**5:55**
